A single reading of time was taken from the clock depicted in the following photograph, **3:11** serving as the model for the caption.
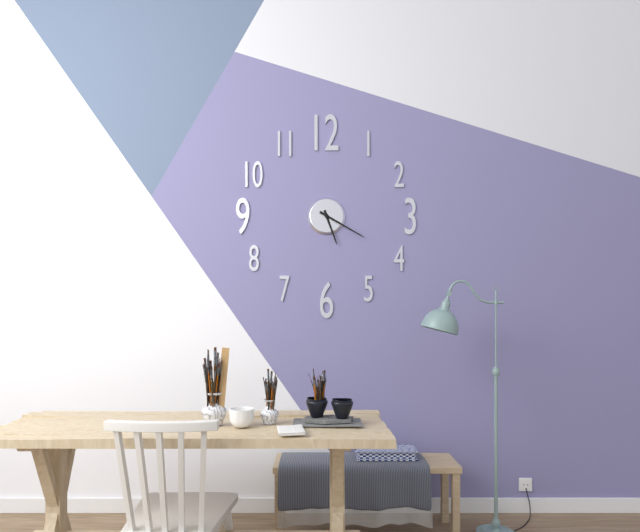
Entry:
**5:20**
